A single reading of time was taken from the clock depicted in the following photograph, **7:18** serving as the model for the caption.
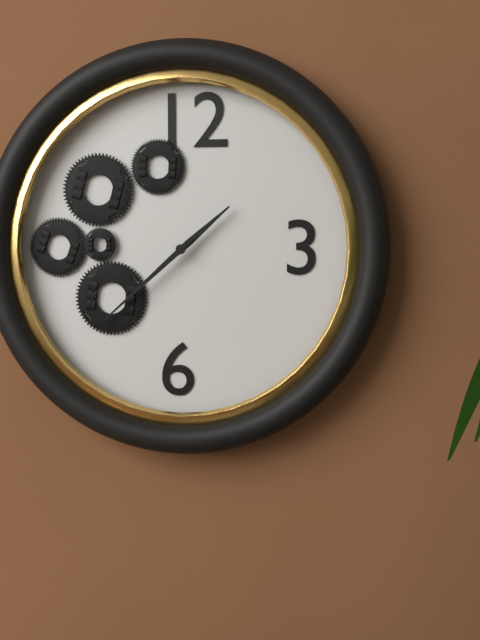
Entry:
**1:38**
